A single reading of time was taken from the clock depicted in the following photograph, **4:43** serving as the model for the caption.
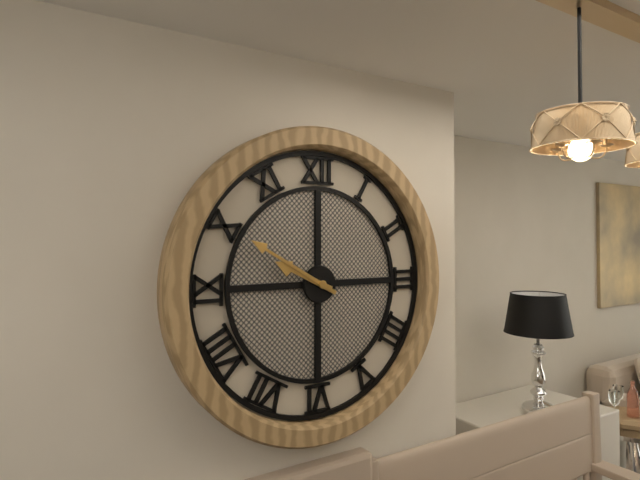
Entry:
**9:50**
